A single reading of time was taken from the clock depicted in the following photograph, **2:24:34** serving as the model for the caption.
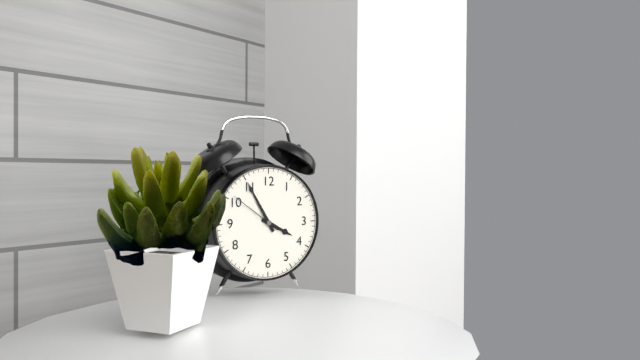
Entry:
**3:55:51**
